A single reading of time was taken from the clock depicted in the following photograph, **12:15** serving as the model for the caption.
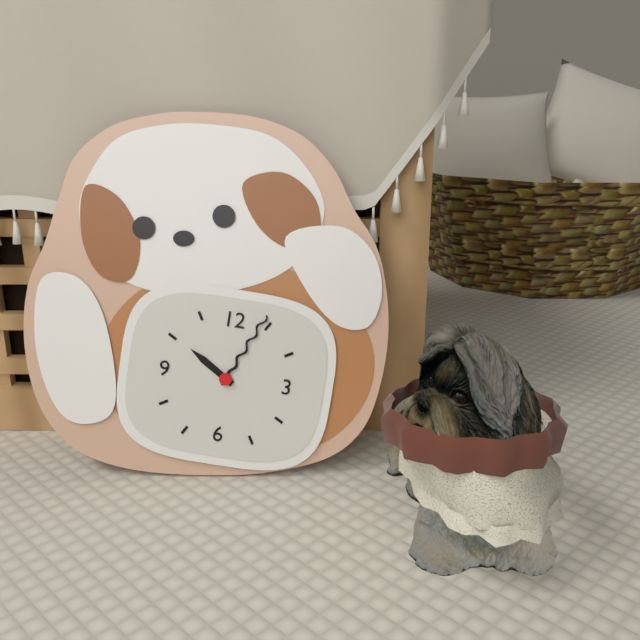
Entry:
**10:04**
